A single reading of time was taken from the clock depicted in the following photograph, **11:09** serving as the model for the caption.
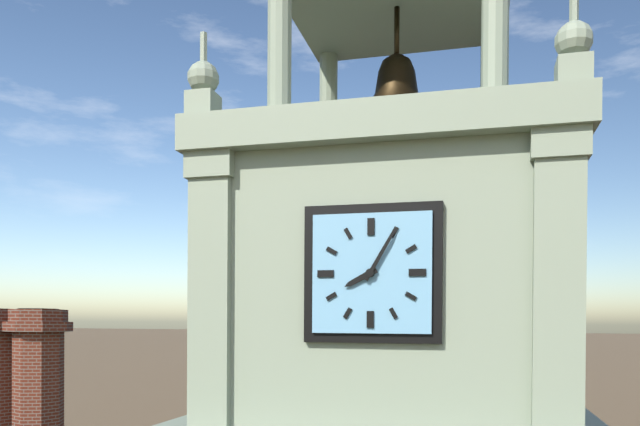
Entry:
**8:05**
